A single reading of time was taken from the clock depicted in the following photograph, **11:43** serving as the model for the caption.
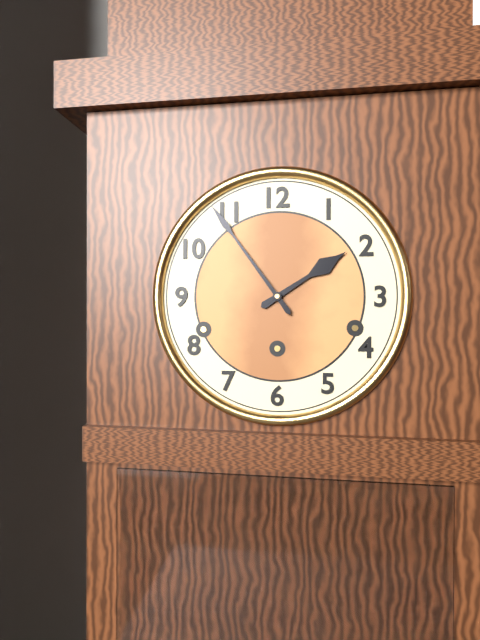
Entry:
**1:54**
